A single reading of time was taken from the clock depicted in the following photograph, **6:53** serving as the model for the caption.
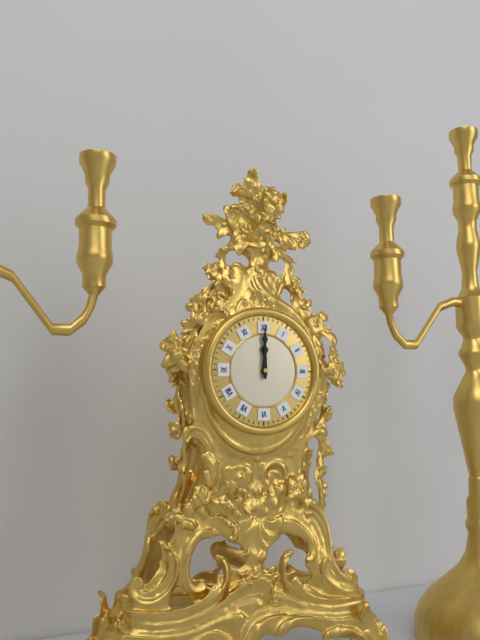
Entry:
**12:00**
